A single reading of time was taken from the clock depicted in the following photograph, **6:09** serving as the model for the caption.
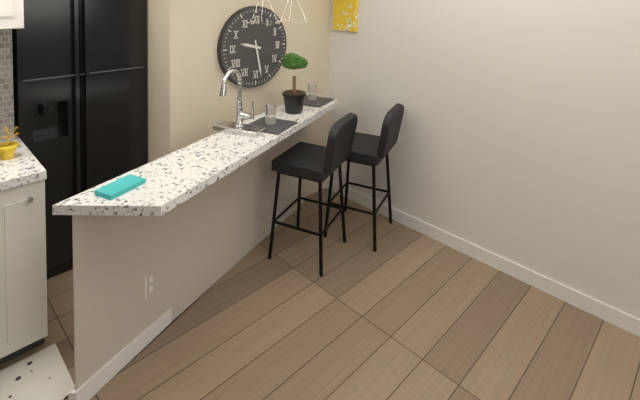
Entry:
**9:28**
